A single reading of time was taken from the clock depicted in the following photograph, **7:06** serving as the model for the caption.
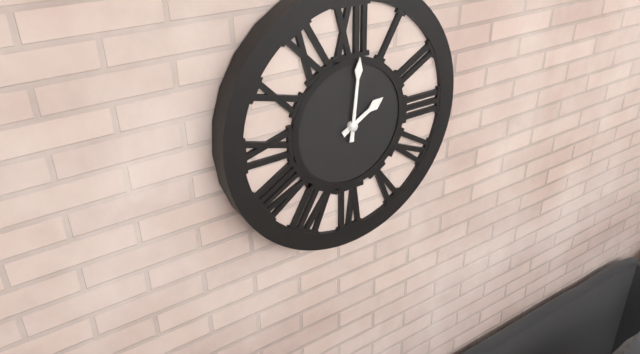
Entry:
**2:01**
